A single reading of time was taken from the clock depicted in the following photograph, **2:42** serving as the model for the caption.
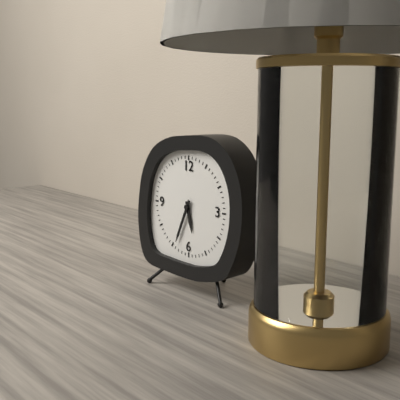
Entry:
**5:34**
